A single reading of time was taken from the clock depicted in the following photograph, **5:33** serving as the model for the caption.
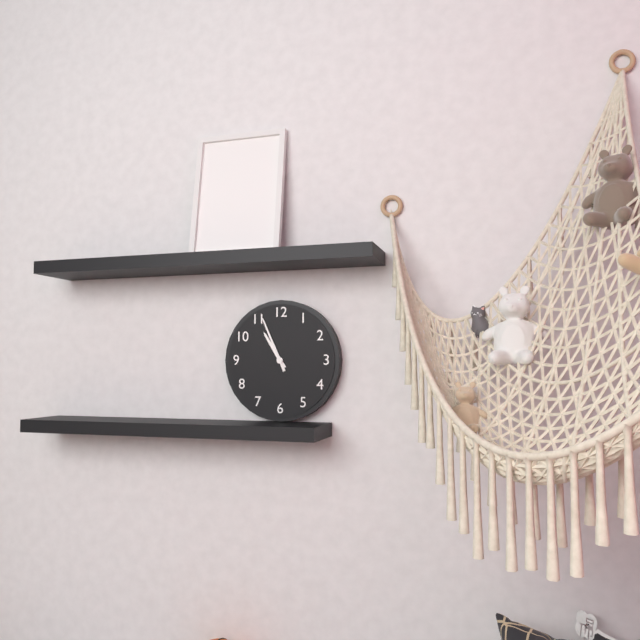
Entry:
**10:56**
